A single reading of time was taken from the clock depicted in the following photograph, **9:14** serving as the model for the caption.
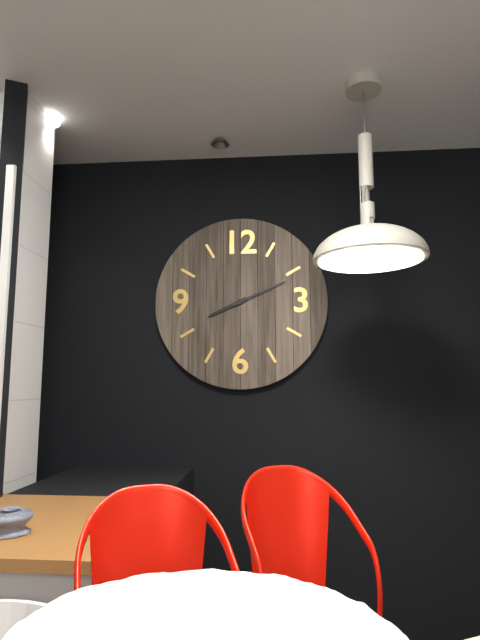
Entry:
**8:11**
